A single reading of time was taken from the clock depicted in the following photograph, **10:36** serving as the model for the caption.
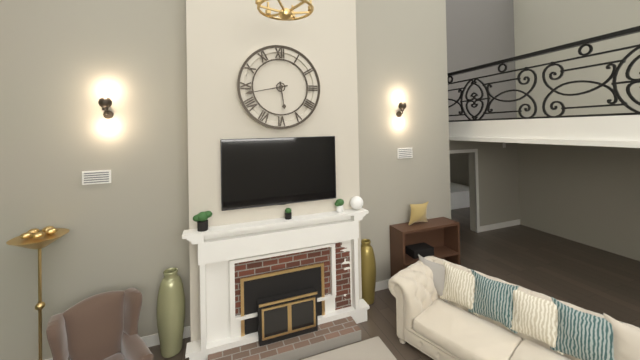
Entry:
**5:43**
